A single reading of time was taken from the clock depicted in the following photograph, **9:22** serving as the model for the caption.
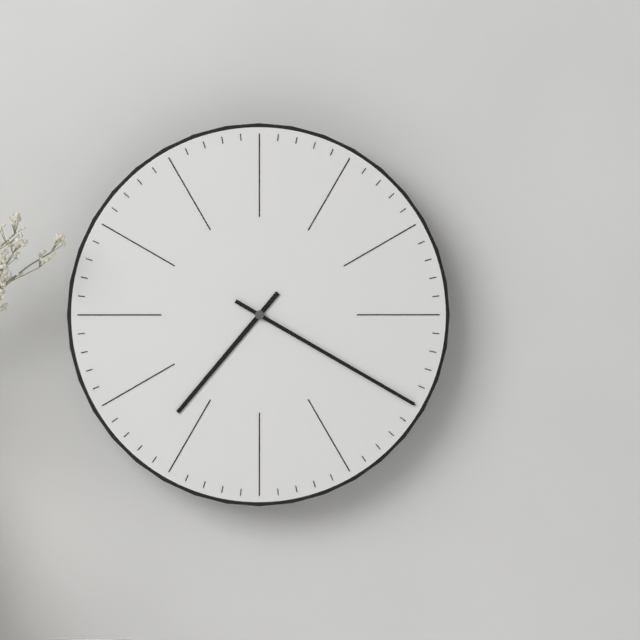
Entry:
**7:20**
